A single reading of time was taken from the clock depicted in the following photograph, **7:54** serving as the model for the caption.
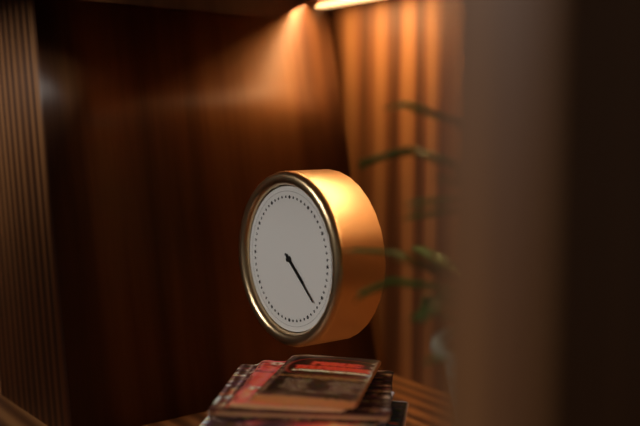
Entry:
**4:22**
